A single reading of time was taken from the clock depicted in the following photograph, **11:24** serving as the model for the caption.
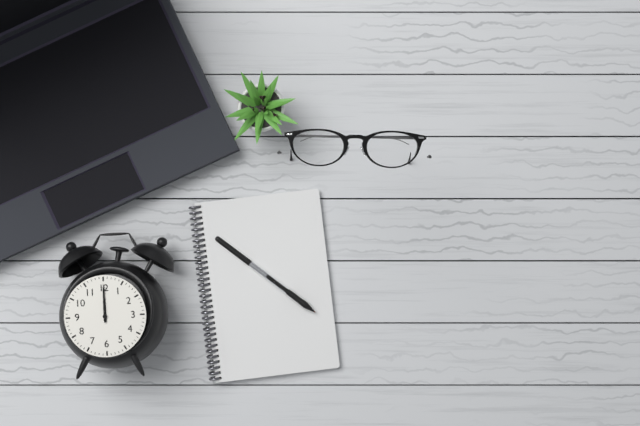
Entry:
**12:00**
